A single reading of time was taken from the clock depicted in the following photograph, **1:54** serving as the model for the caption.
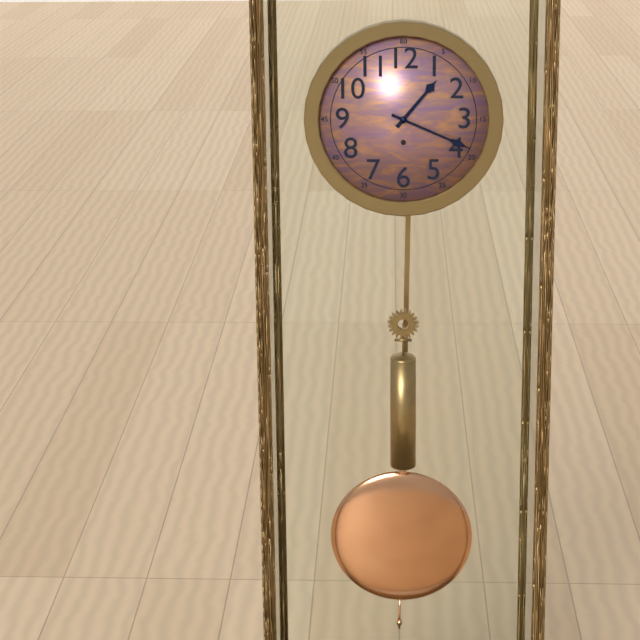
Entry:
**1:19**
